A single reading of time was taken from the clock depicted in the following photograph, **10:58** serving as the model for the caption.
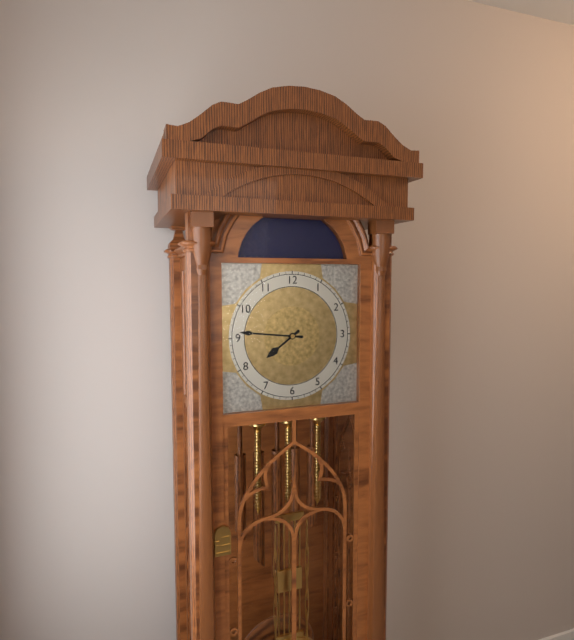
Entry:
**7:46**
